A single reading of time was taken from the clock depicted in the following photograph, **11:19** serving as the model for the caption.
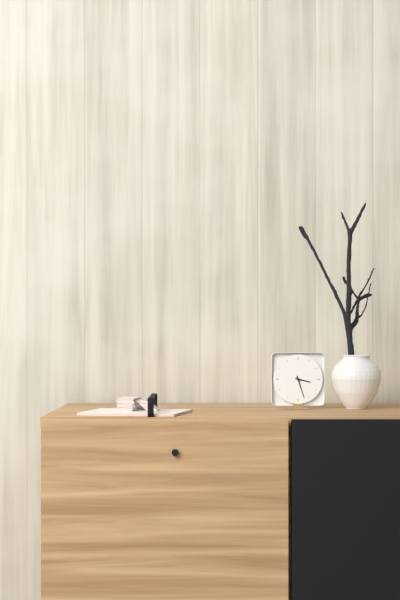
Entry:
**3:27**
